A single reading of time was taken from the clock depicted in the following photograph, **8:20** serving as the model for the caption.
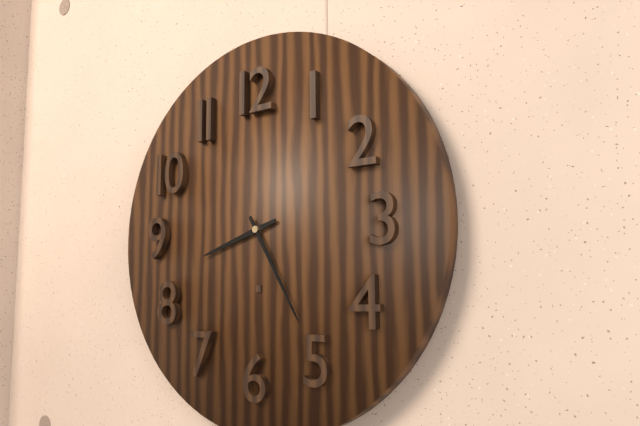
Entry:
**8:25**
